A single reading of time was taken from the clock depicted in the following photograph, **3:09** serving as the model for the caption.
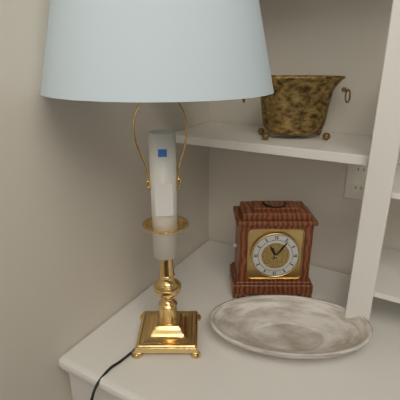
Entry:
**11:06**
